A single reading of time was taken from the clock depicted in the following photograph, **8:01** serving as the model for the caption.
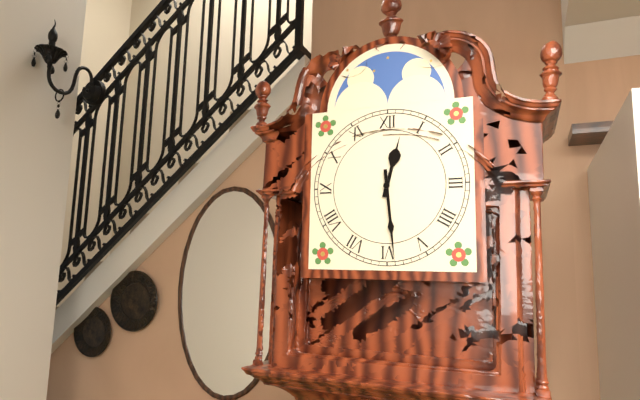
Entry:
**12:29**
